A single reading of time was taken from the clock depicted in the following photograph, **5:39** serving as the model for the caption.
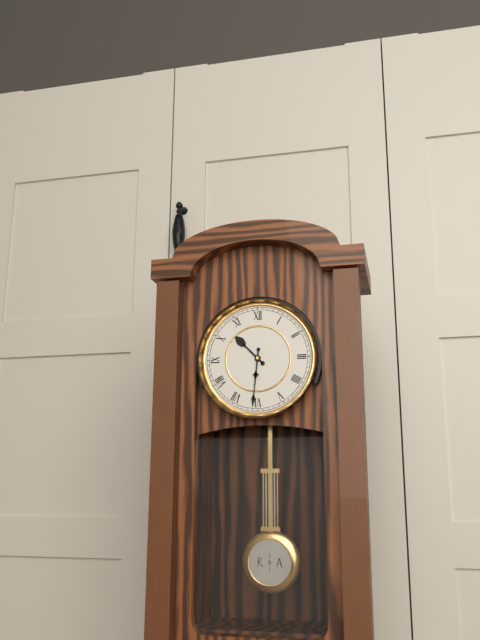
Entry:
**10:31**
